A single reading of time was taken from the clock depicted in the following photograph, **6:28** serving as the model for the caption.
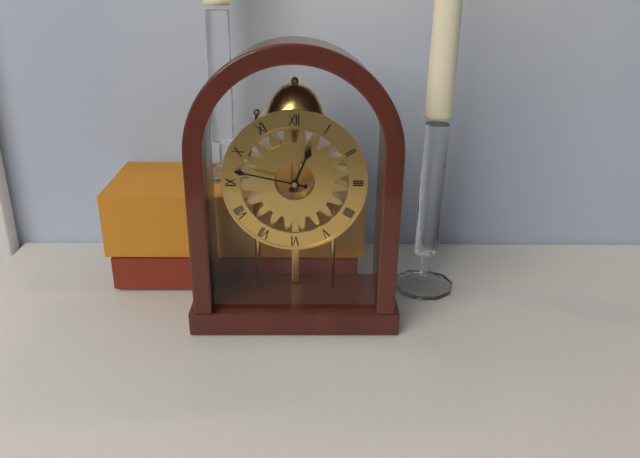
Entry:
**12:47**
